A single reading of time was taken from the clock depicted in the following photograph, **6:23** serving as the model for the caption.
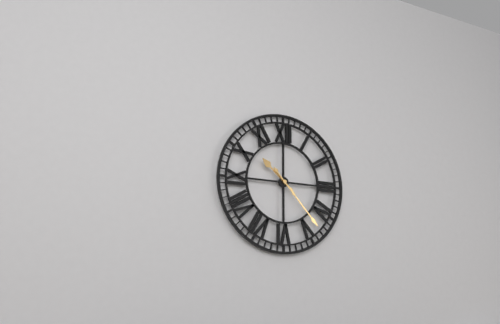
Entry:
**10:23**
